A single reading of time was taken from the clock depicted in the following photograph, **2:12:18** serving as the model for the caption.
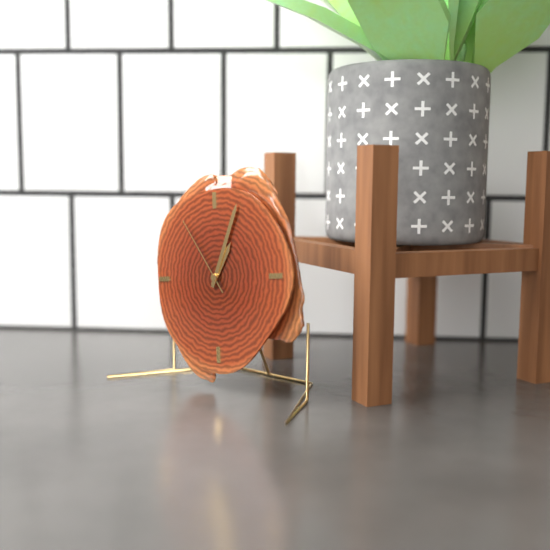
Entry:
**1:04:54**
